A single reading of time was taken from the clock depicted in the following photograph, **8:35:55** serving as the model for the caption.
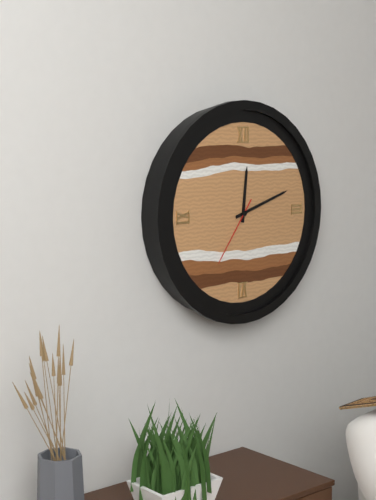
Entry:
**12:12:36**
